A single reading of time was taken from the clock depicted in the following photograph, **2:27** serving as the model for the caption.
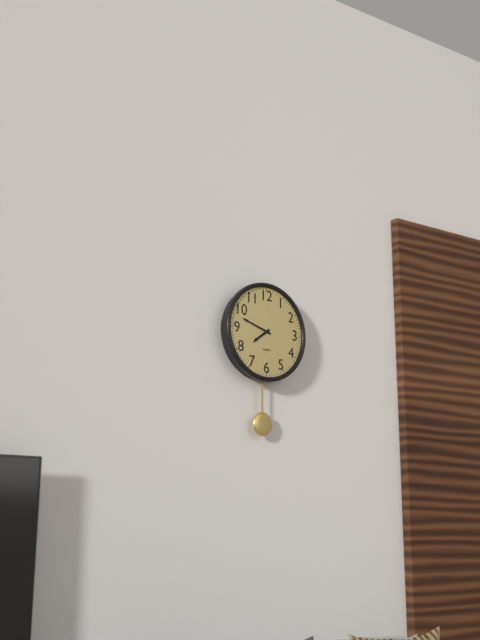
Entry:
**7:48**
